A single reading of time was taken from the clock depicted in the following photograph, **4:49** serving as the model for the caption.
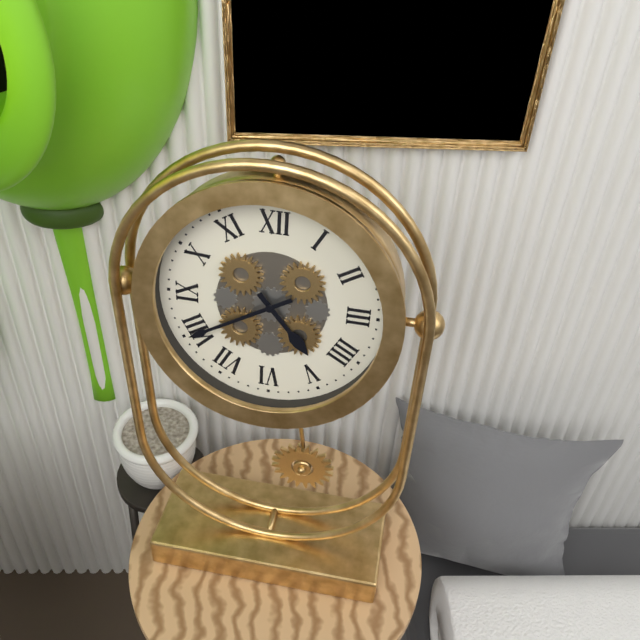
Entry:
**4:40**
